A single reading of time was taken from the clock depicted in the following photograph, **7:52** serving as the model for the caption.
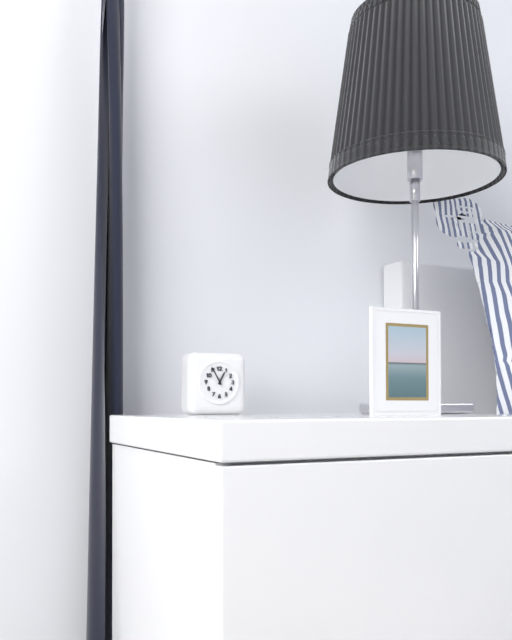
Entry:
**12:55**
